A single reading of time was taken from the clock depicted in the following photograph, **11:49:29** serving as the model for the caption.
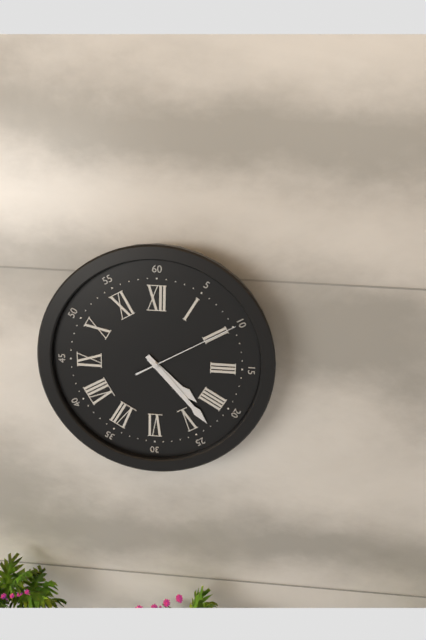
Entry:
**4:23:10**
